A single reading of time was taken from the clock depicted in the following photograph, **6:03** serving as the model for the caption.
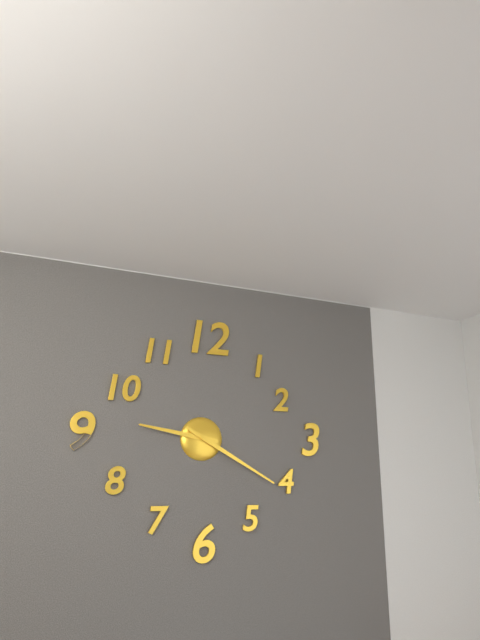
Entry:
**9:20**
